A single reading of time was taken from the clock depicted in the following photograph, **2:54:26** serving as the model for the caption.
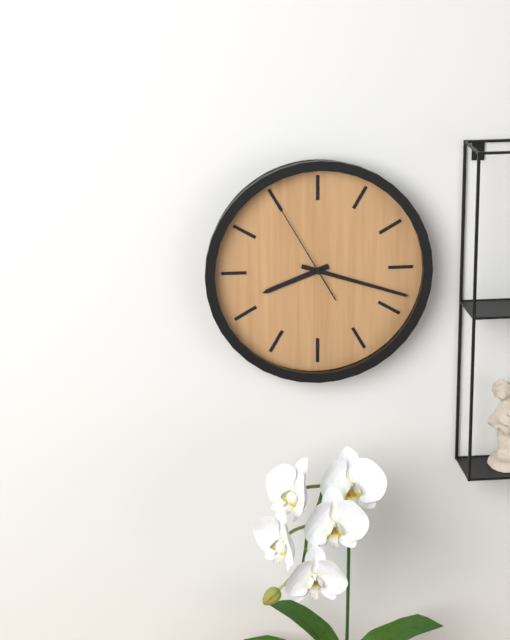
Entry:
**8:18:55**
